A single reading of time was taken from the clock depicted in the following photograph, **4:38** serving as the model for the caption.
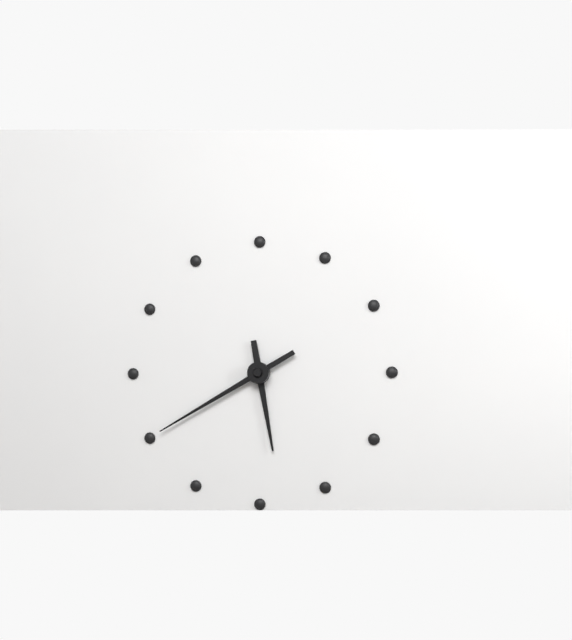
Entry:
**5:40**
